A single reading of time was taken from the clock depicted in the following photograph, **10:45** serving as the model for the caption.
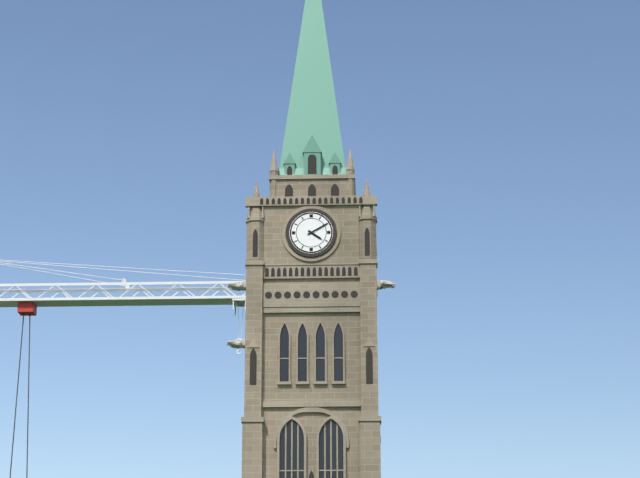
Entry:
**4:10**
